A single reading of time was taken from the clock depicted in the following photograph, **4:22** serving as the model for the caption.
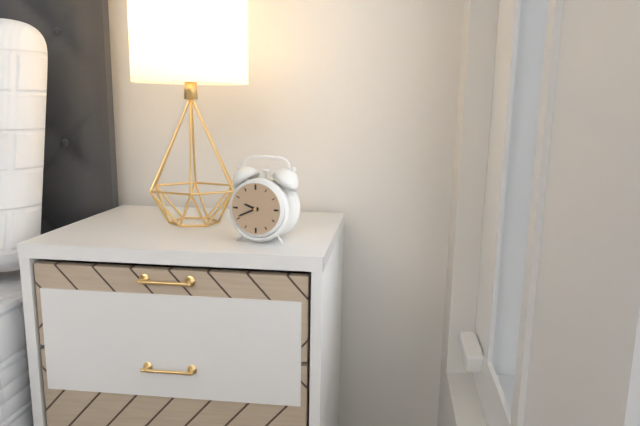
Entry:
**9:41**
